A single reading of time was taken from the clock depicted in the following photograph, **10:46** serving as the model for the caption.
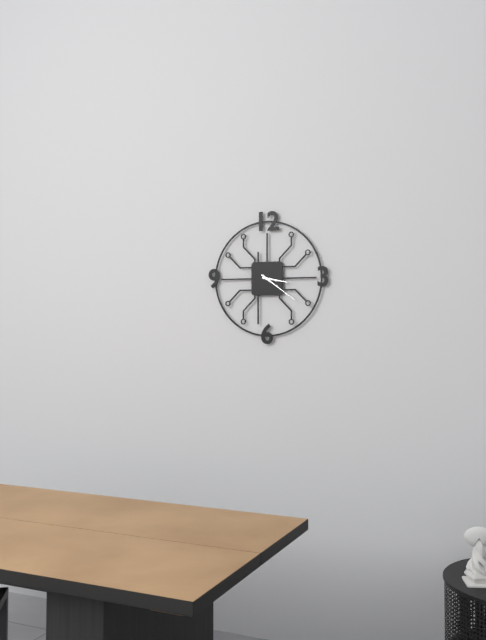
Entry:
**3:21**
